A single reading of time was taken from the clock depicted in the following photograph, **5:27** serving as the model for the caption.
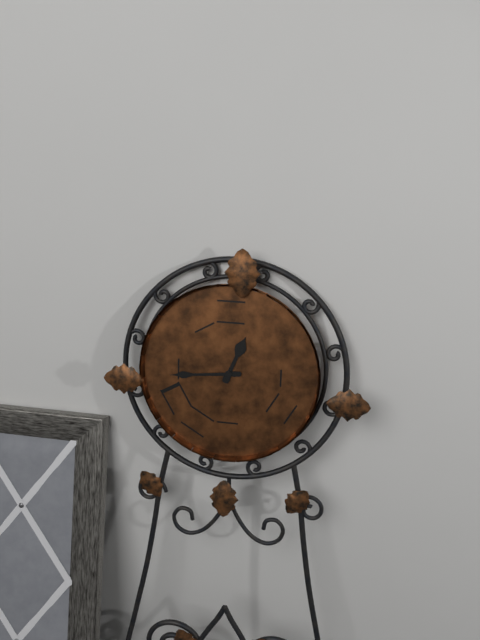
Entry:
**12:44**
